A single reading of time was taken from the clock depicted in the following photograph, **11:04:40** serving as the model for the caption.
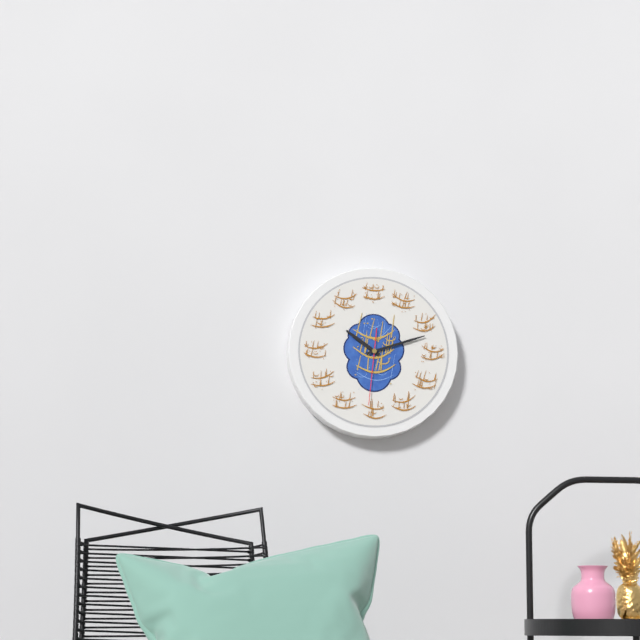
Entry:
**10:12:31**
